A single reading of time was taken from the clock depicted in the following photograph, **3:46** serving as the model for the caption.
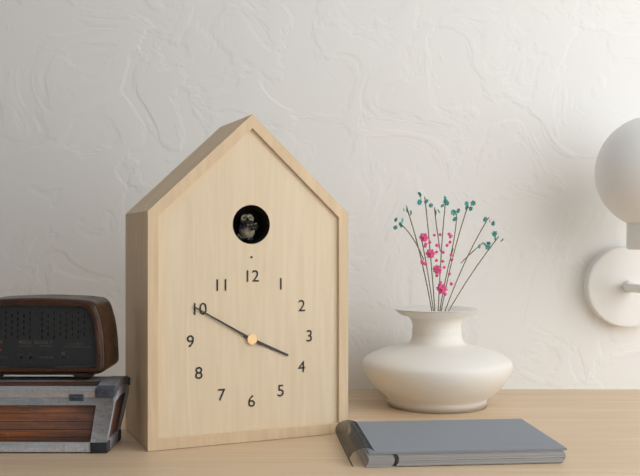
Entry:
**3:50**
